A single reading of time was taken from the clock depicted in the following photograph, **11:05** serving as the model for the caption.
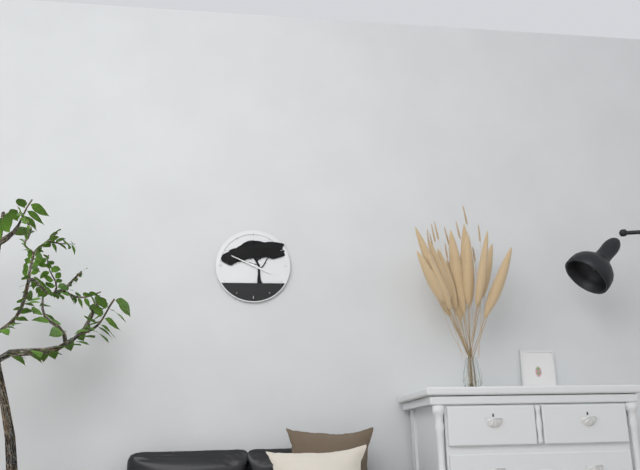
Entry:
**3:49**
